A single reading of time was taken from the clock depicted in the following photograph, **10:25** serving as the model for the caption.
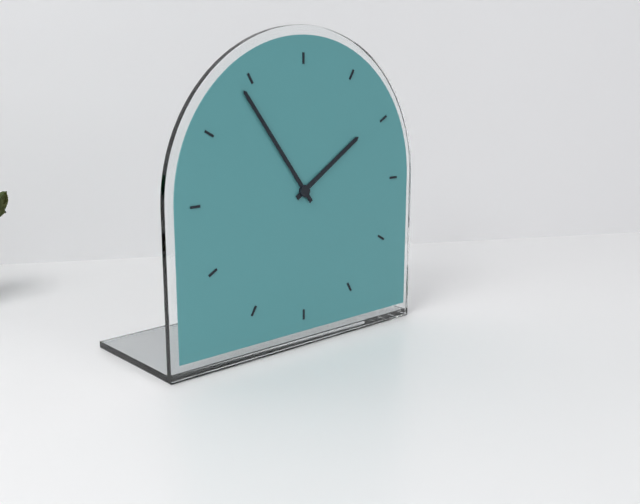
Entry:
**1:54**
